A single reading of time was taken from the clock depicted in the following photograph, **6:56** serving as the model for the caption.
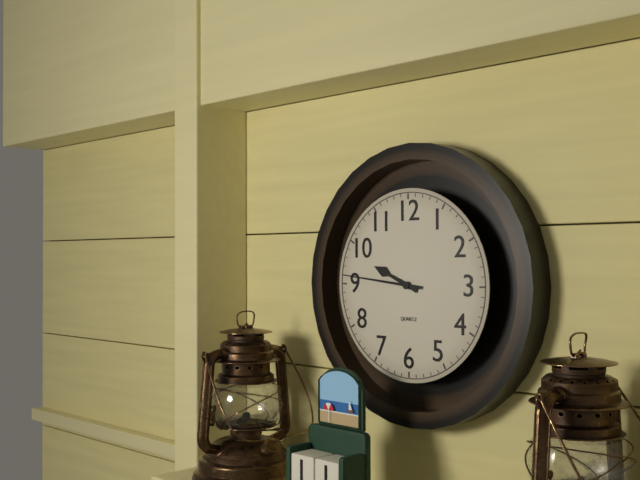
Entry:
**9:46**
